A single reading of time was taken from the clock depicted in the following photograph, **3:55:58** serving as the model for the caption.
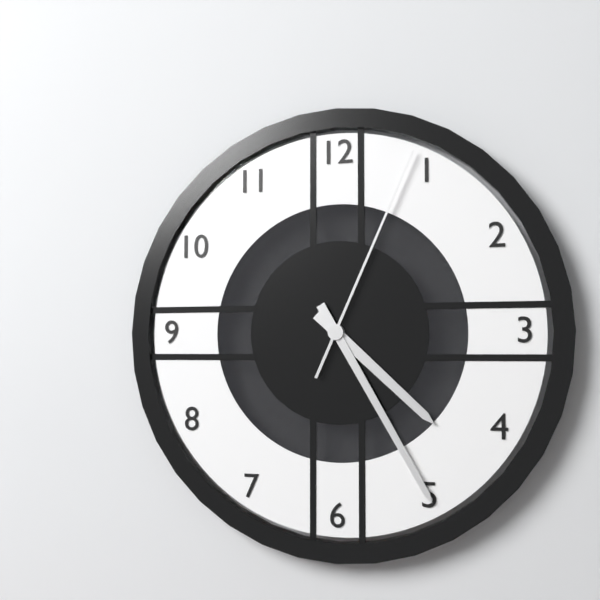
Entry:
**4:25:04**
